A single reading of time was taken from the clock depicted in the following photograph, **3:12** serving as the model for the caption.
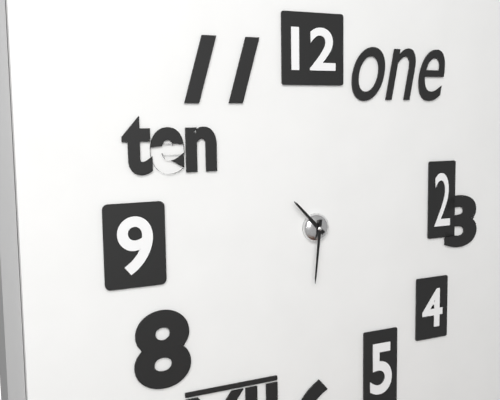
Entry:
**10:31**
